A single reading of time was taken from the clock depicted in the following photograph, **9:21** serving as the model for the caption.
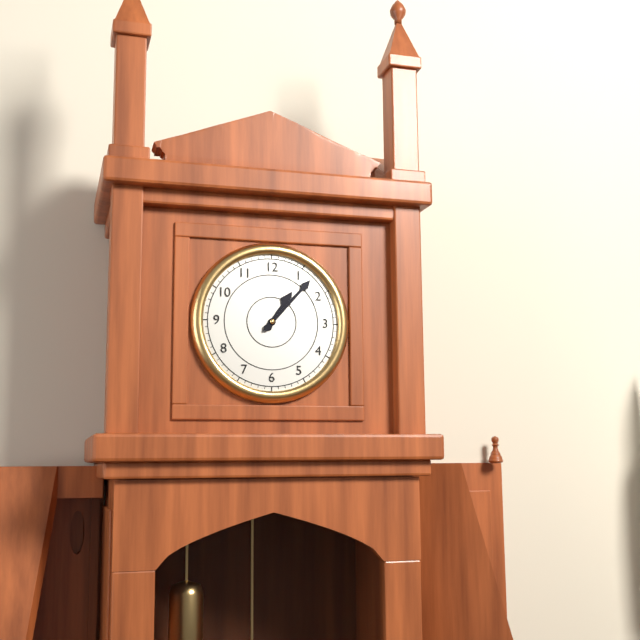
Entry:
**1:07**
